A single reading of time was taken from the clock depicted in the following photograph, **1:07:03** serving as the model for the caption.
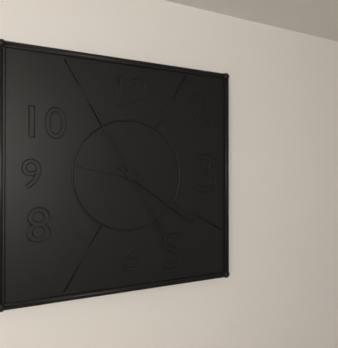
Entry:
**9:21:25**
